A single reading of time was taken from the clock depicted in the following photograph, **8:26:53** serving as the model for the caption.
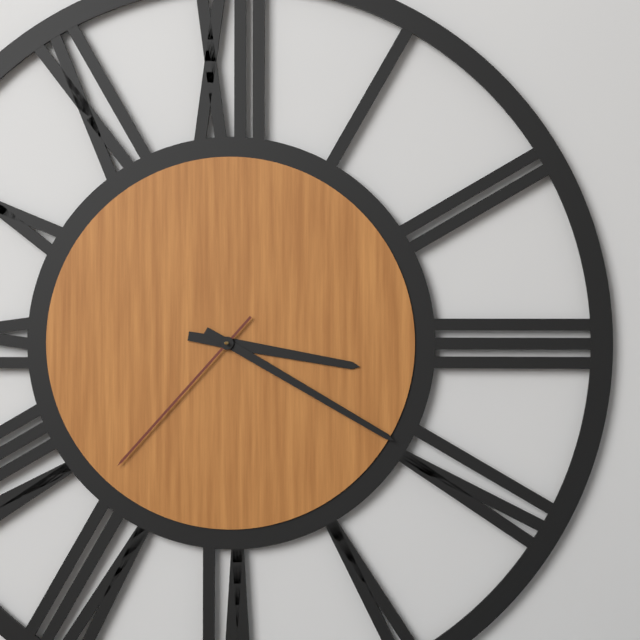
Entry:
**3:20:37**
